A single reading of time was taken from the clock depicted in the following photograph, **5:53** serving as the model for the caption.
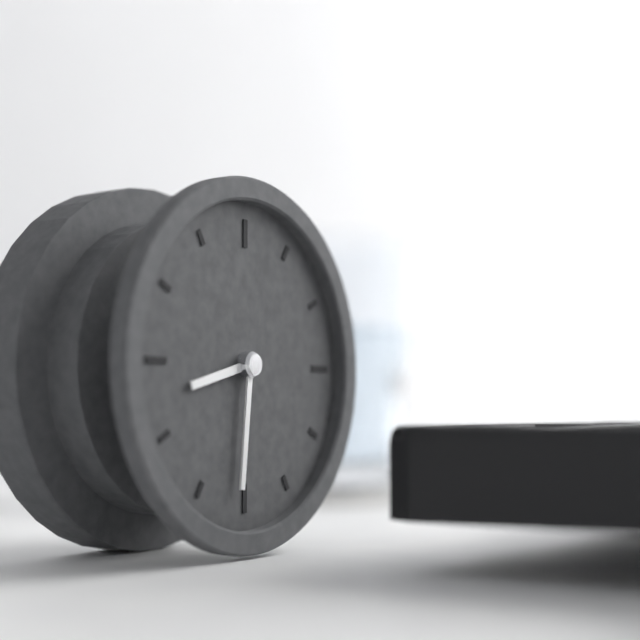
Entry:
**8:31**
